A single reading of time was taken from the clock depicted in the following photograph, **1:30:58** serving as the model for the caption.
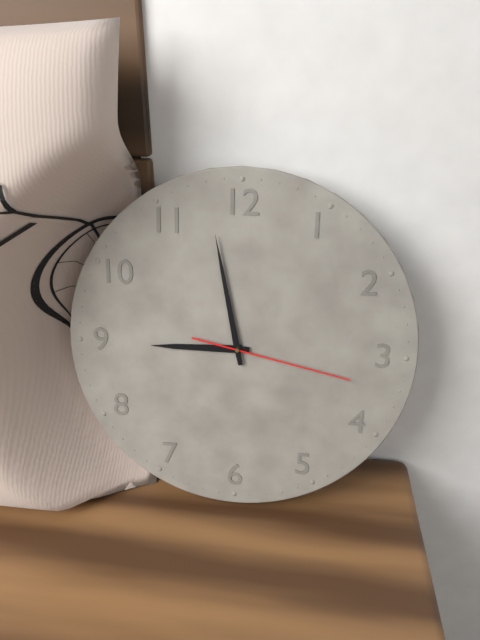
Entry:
**8:58:17**
